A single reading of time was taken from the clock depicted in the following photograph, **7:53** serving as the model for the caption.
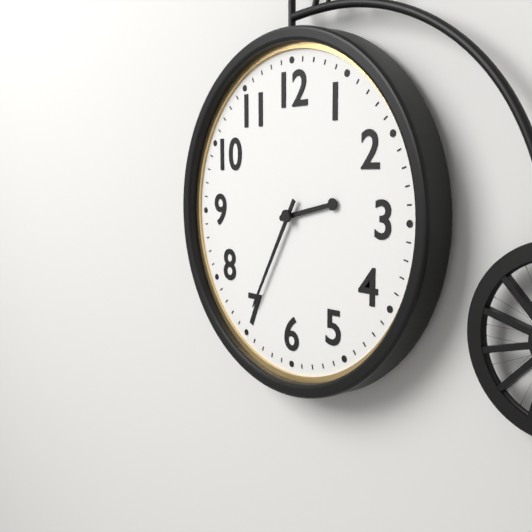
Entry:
**2:35**
